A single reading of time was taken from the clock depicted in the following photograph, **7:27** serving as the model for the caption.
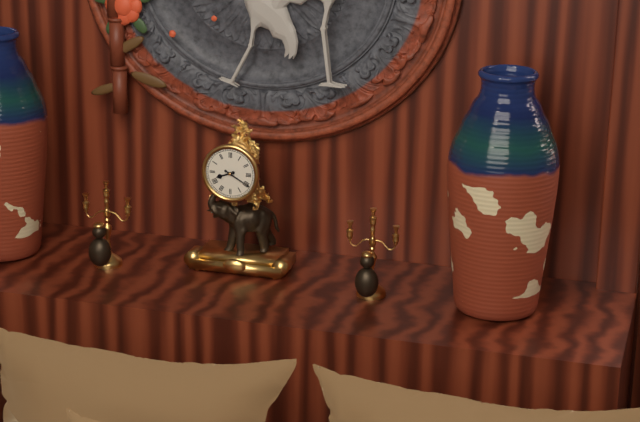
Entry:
**8:20**
